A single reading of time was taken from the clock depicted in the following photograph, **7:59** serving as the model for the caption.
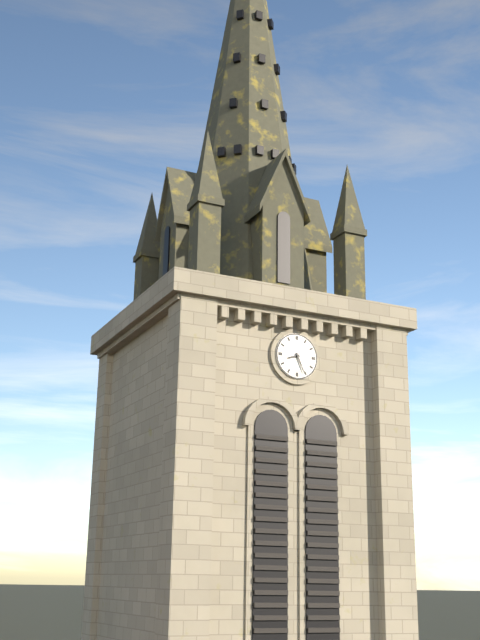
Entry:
**8:26**
